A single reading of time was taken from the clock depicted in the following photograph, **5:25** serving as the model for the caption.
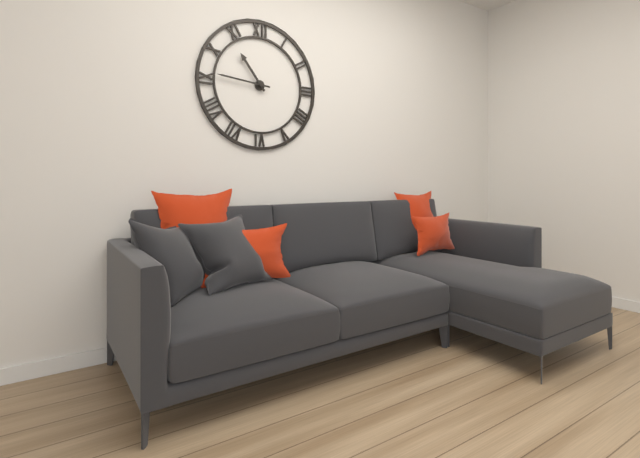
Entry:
**10:46**
